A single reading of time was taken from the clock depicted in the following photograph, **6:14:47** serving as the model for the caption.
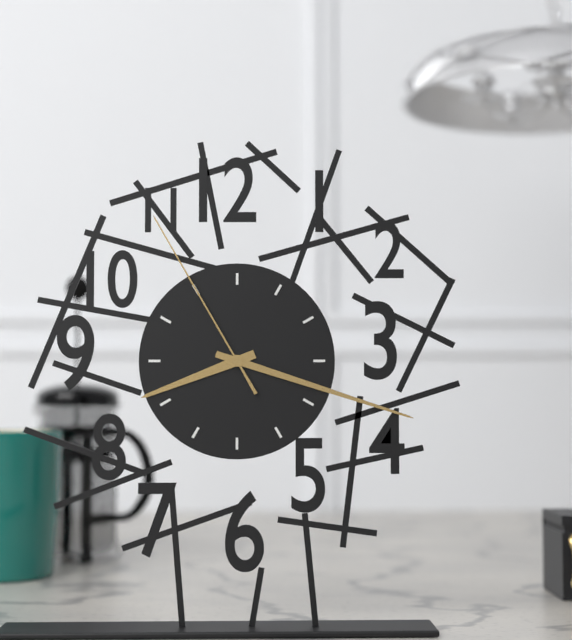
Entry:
**8:18:55**
